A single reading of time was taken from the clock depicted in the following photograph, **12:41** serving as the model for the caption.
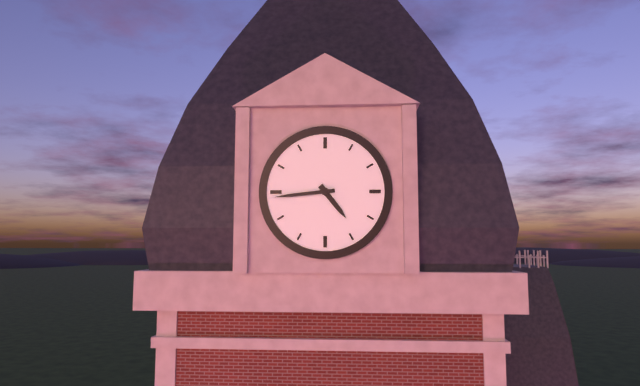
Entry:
**4:44**
